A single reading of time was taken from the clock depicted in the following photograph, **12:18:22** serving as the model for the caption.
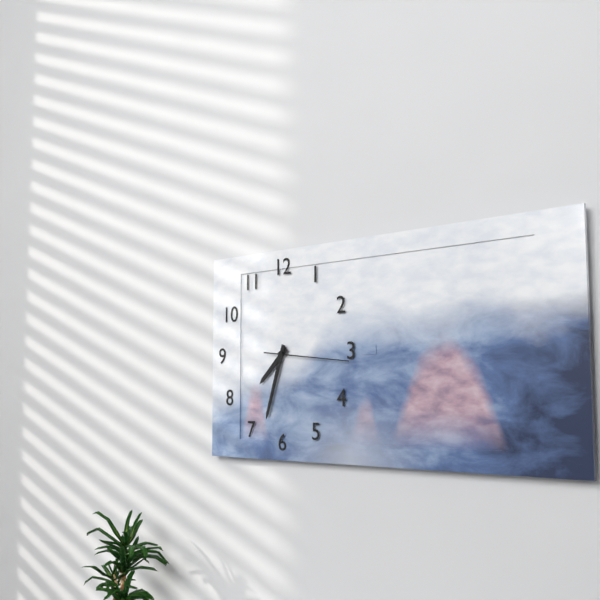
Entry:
**7:33:16**
